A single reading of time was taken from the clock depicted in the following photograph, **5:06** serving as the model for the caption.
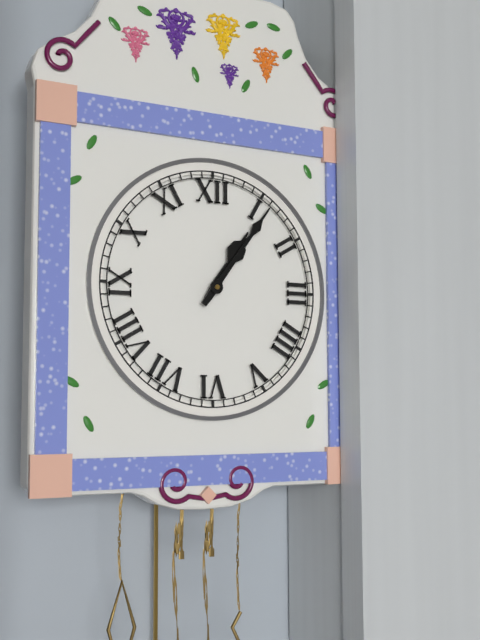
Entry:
**1:06**
